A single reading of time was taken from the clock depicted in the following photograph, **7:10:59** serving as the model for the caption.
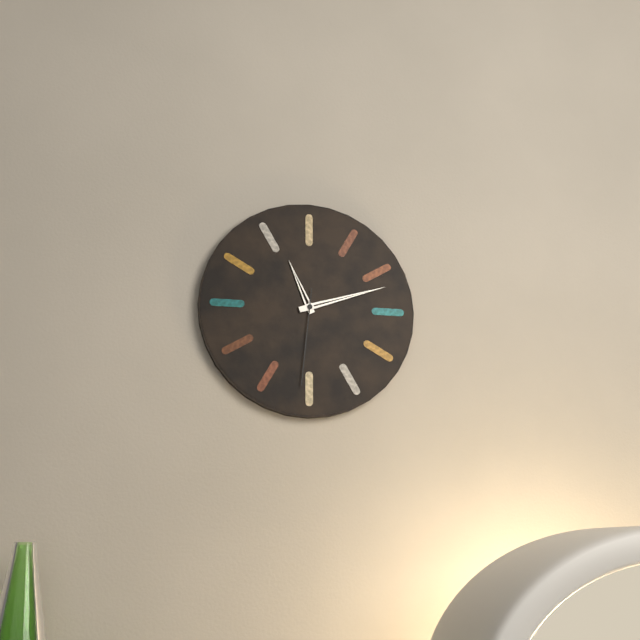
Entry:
**11:12:31**
